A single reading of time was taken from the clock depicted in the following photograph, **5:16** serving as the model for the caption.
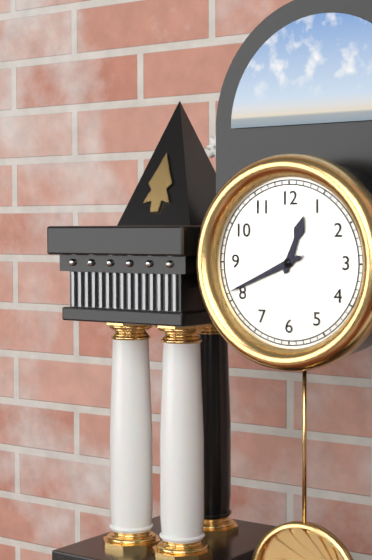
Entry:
**12:41**
